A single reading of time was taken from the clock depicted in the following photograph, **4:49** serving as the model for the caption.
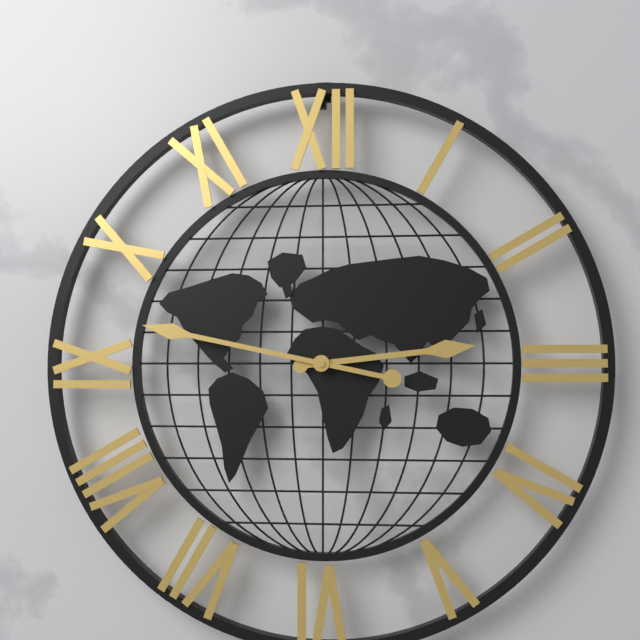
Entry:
**2:47**
